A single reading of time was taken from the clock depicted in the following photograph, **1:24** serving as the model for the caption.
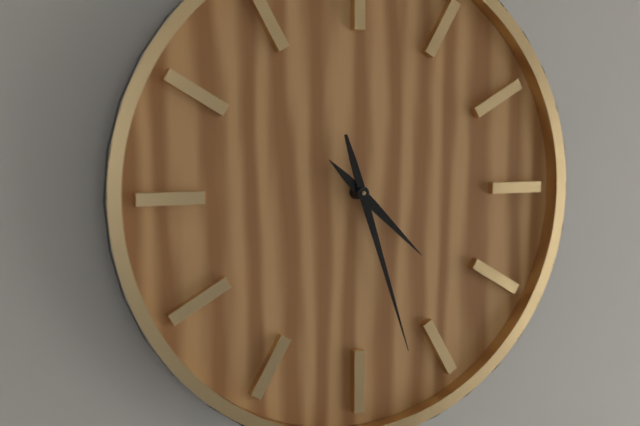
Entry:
**4:27**
